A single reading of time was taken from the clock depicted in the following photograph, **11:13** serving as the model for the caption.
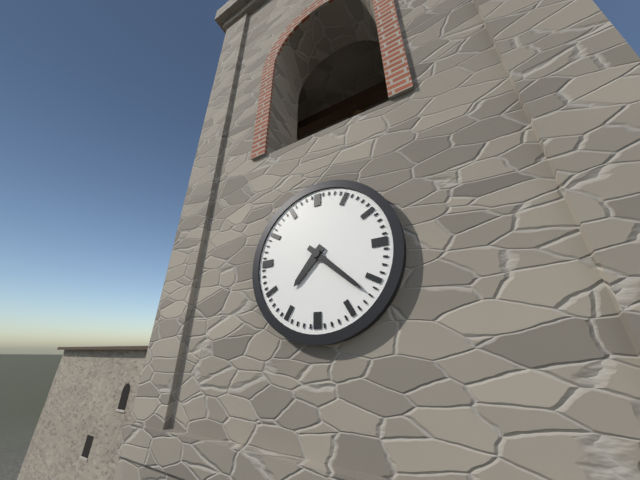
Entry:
**7:22**
